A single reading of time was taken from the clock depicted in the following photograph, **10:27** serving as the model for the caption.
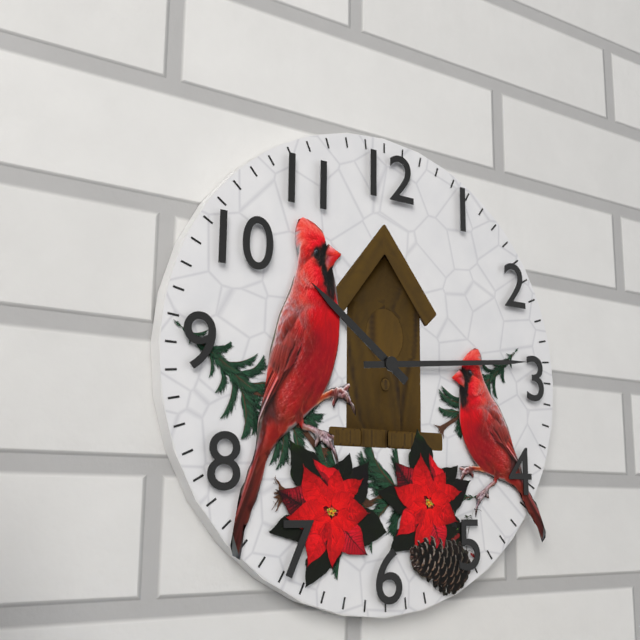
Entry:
**10:14**
